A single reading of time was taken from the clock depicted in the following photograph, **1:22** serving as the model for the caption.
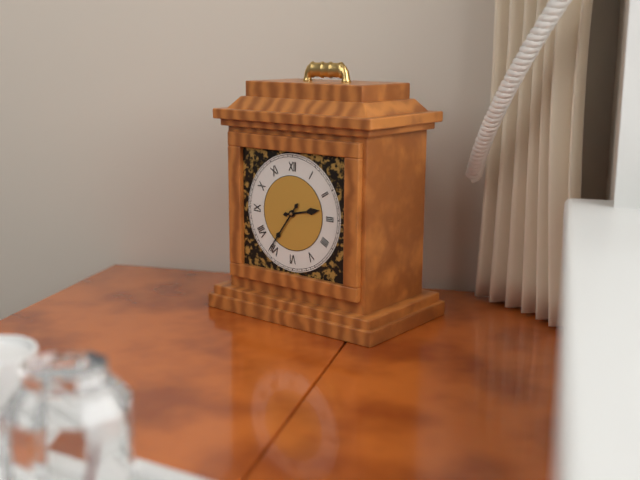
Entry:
**2:36**
